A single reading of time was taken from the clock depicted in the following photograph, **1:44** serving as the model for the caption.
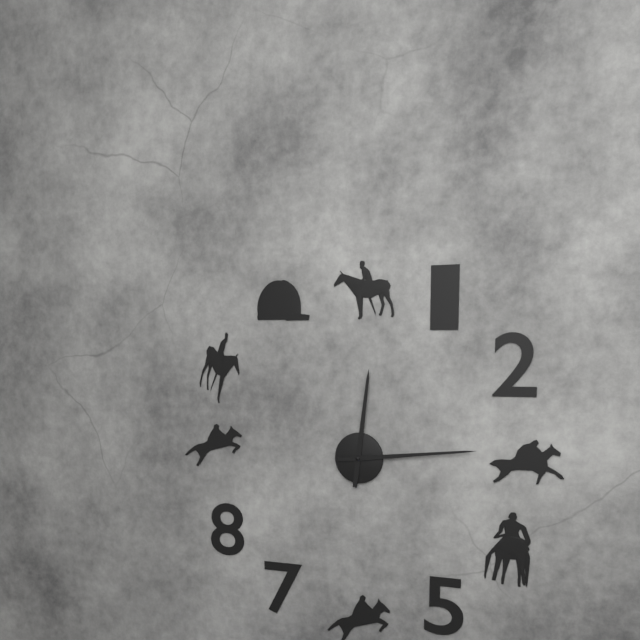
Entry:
**12:14**
